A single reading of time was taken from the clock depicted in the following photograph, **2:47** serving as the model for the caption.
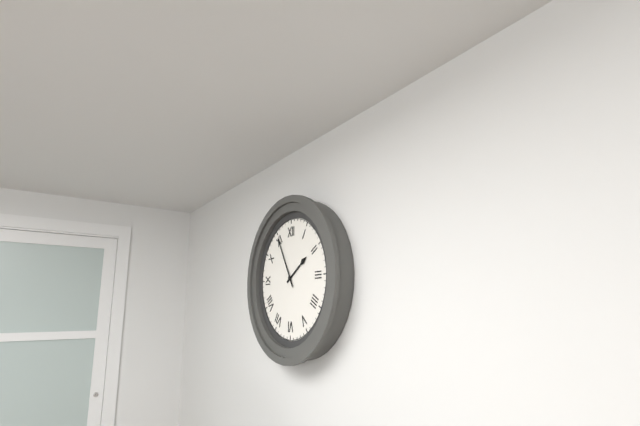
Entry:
**1:55**
